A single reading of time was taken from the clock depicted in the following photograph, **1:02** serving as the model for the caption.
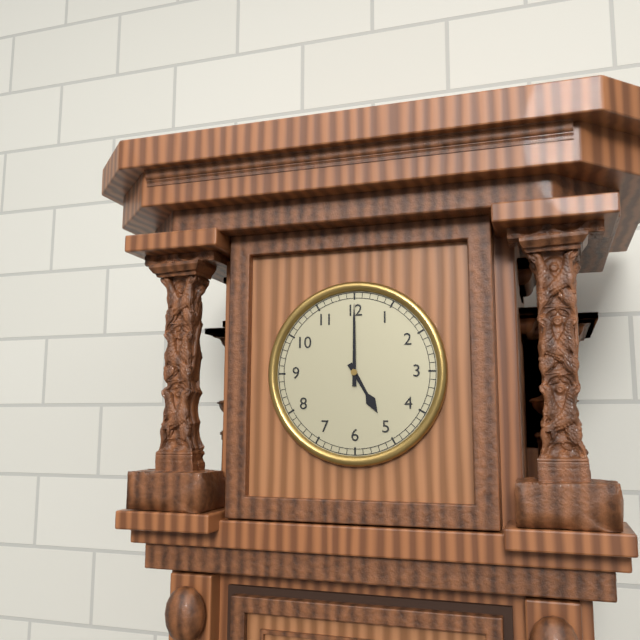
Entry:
**5:00**
